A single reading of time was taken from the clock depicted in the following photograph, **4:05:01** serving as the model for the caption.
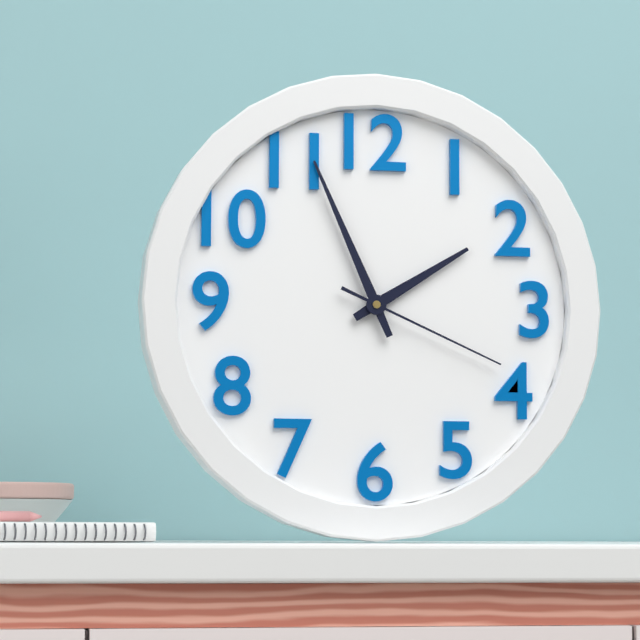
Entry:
**1:56:19**
